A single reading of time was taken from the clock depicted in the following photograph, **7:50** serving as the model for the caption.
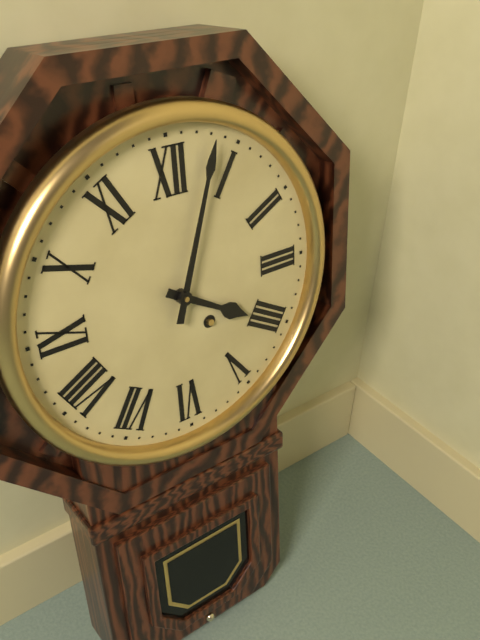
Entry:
**4:03**
